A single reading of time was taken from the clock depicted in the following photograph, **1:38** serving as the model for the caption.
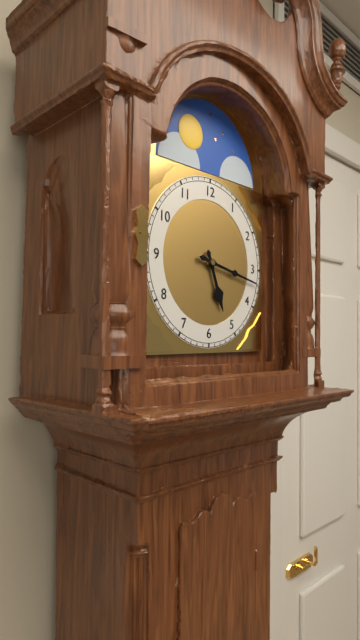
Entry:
**5:17**
